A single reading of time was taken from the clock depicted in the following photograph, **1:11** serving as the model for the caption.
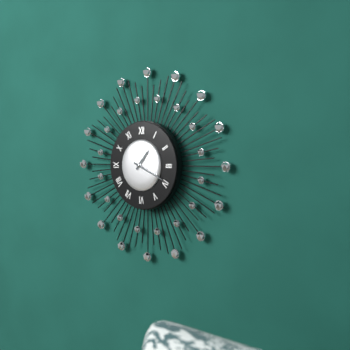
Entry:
**1:19**
